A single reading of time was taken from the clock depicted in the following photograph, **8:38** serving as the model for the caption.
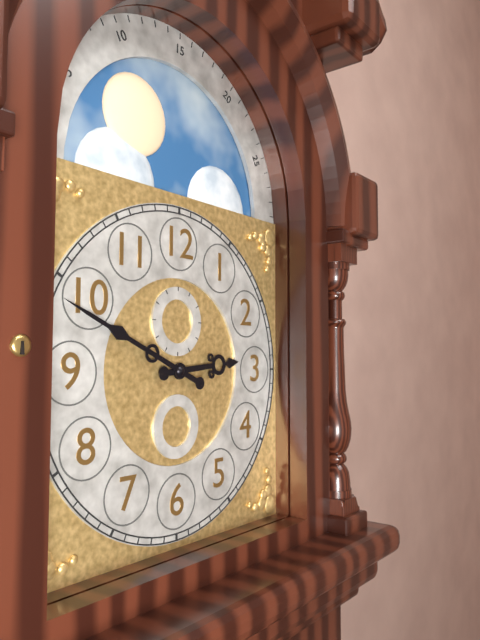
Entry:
**2:49**
